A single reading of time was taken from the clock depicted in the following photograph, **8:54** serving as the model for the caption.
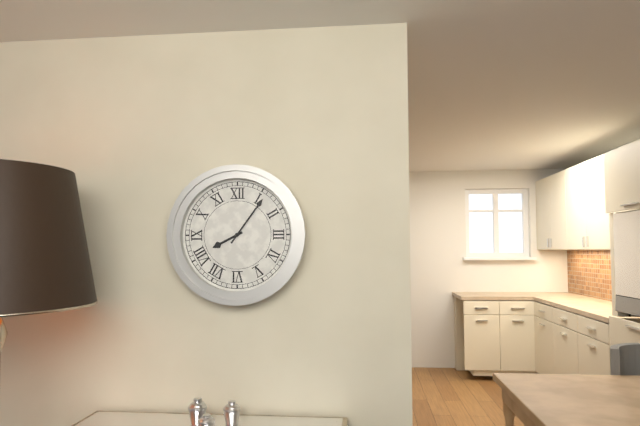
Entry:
**8:06**
